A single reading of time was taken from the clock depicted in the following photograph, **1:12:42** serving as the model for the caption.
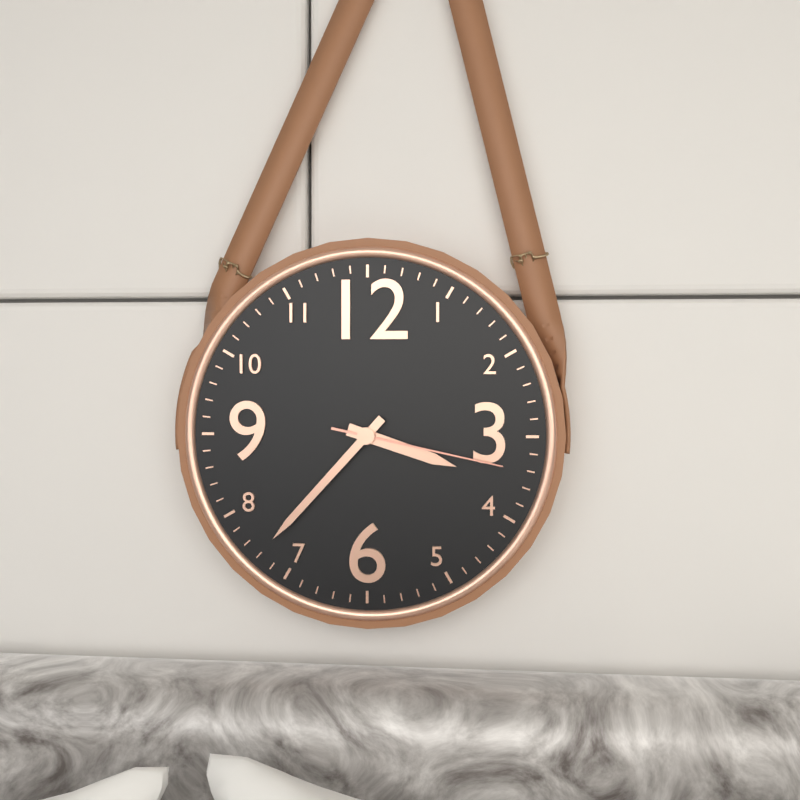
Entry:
**3:37:17**
